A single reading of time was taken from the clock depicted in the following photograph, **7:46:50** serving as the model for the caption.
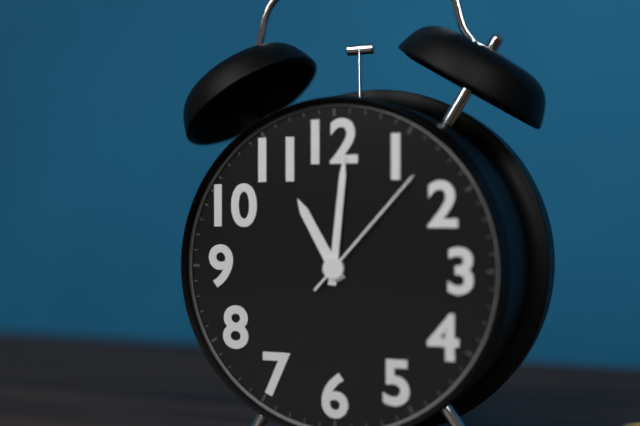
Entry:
**11:01:07**
